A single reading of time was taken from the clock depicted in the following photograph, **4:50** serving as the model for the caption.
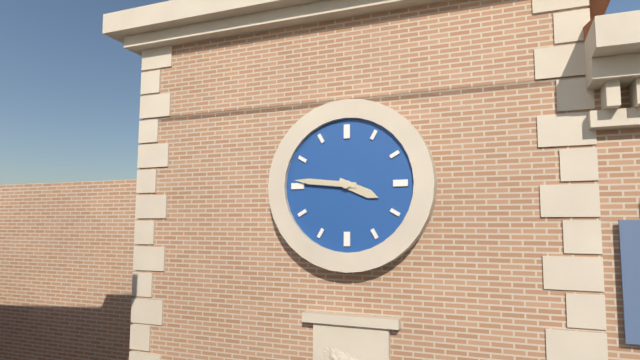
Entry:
**3:46**
